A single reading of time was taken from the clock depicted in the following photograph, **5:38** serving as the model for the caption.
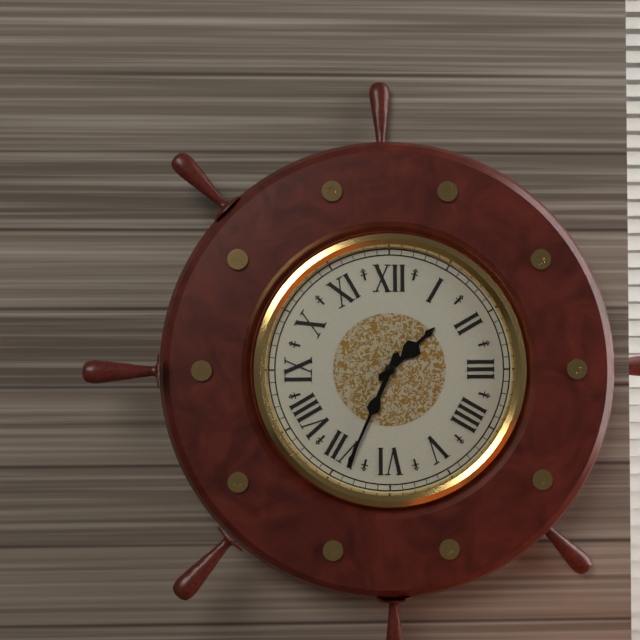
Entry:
**1:34**
